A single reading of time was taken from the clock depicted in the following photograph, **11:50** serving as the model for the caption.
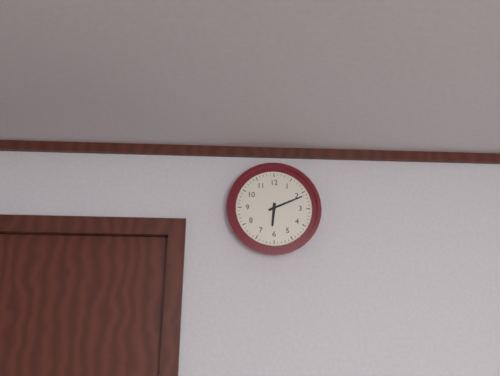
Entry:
**6:11**
